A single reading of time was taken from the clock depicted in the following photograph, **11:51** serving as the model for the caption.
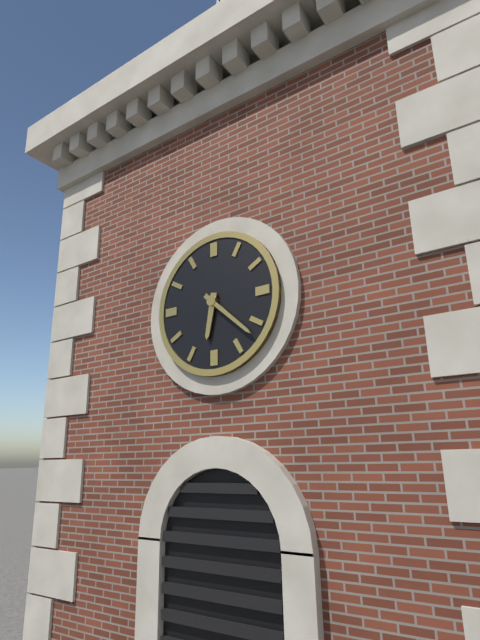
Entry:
**6:22**
